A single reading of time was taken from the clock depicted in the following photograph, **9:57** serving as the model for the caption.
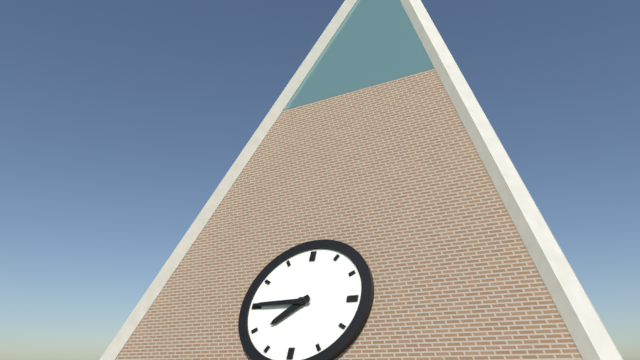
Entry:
**7:45**
